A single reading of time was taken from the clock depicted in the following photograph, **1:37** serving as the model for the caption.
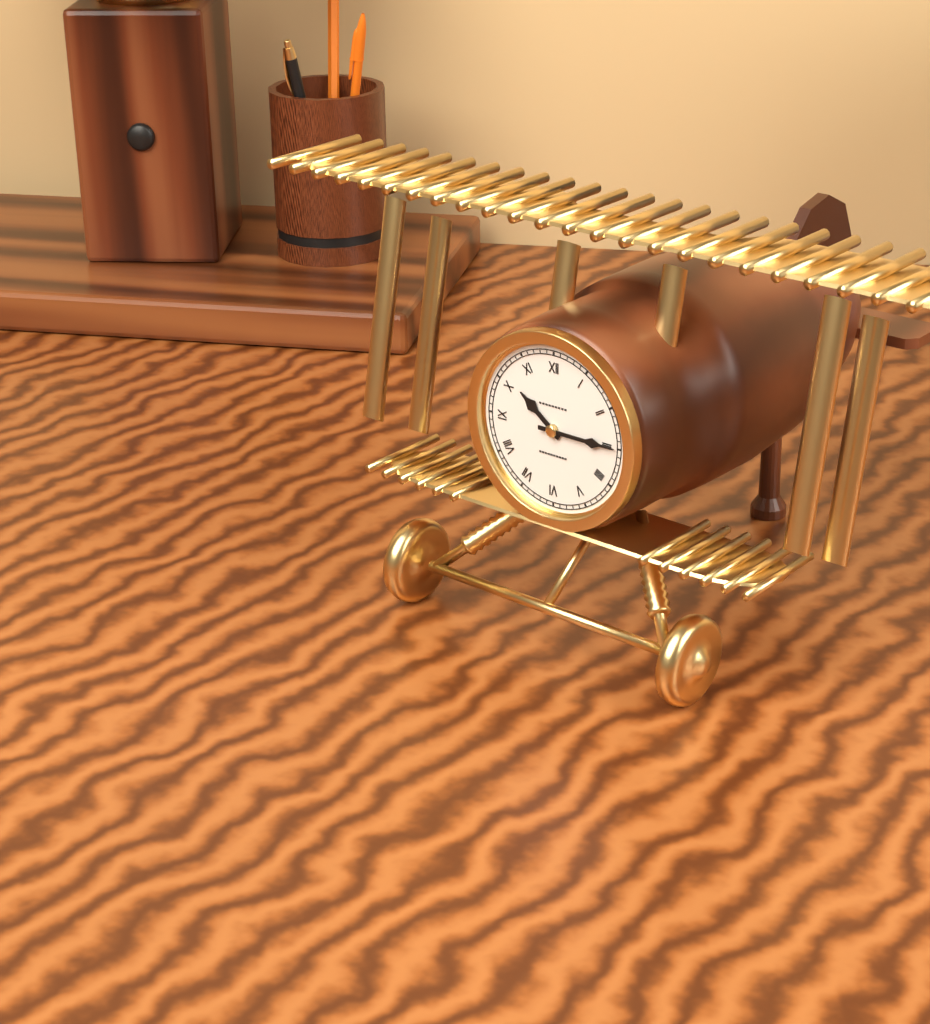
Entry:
**10:15**
